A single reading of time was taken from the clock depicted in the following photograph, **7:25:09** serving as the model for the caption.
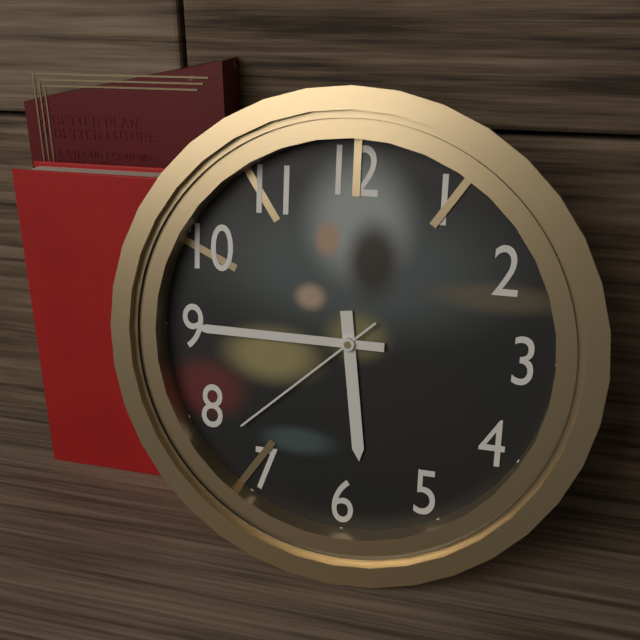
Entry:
**5:45:38**
